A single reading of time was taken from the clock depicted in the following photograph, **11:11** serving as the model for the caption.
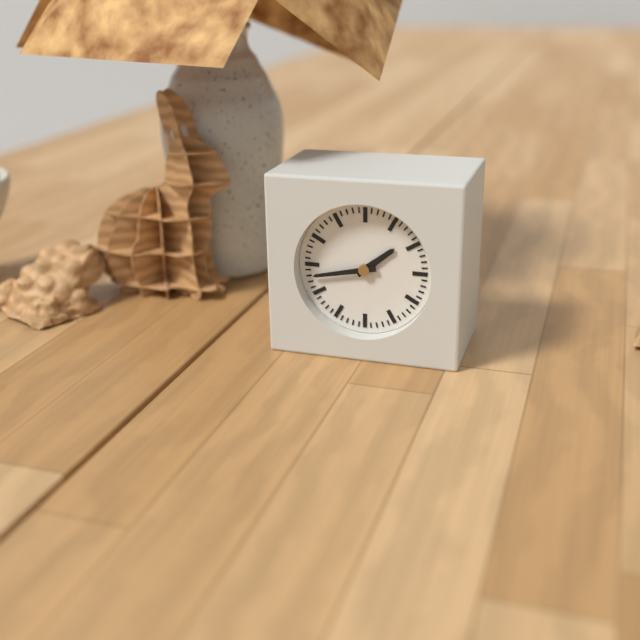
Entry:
**1:43**
